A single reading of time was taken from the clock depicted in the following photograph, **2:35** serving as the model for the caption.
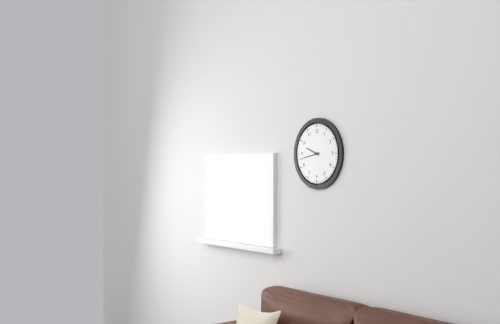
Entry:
**9:43**
